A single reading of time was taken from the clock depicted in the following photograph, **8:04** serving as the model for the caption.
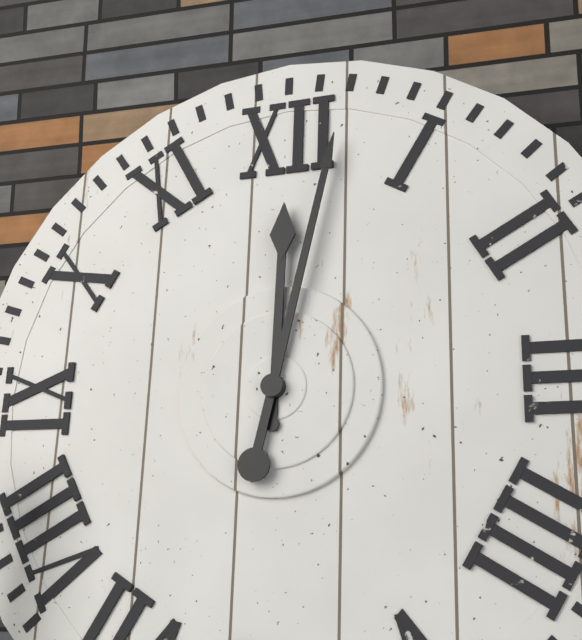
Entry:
**12:02**
